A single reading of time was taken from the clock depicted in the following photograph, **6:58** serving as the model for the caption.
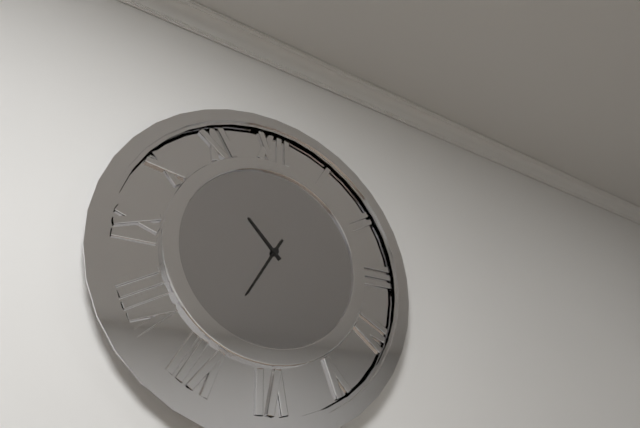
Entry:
**10:35**
